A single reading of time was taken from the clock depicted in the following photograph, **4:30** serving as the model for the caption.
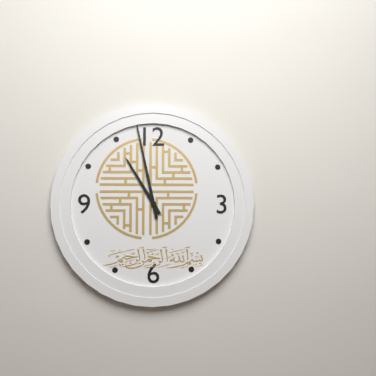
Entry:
**10:58**
